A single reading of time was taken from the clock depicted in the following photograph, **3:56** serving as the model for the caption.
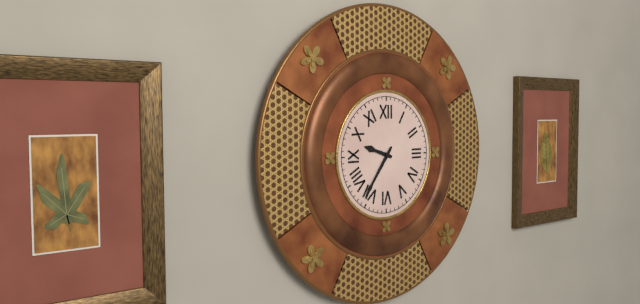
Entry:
**9:36**
